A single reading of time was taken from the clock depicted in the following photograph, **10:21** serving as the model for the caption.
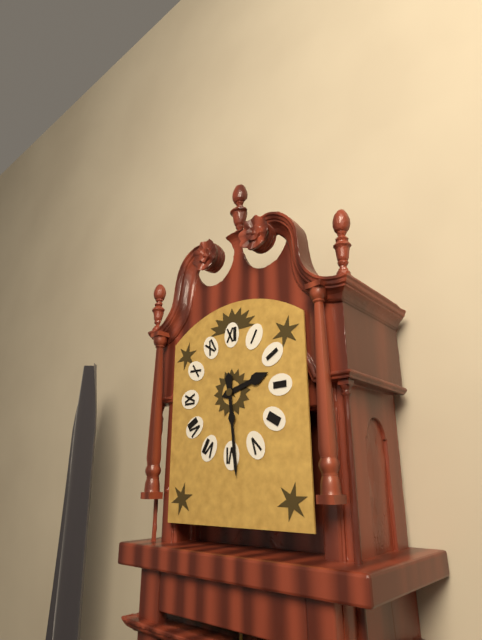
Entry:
**2:29**
